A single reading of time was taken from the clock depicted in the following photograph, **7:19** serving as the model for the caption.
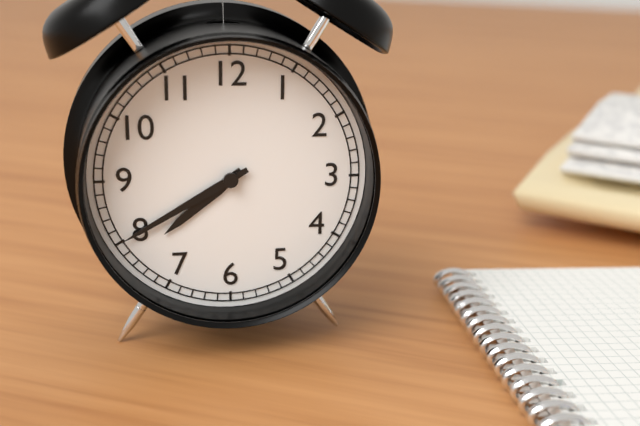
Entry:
**7:40**
